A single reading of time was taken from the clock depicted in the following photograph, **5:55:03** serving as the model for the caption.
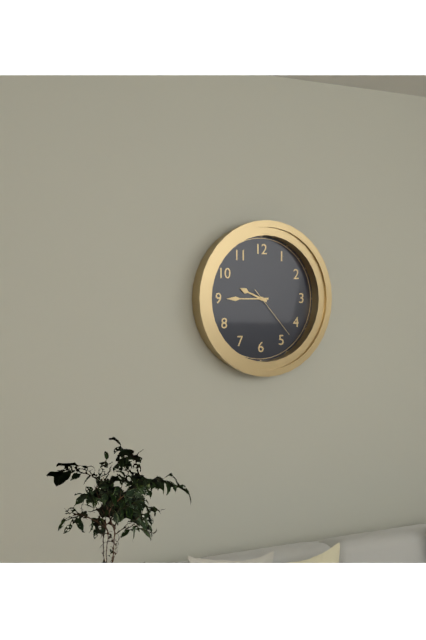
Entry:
**9:45:23**
